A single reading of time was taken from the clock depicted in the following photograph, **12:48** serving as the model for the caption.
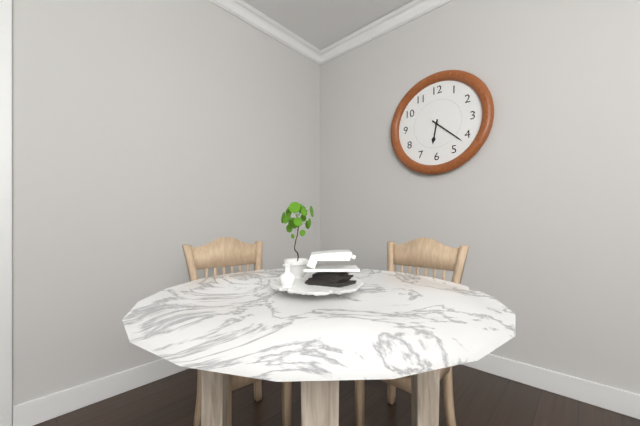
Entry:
**6:22**
